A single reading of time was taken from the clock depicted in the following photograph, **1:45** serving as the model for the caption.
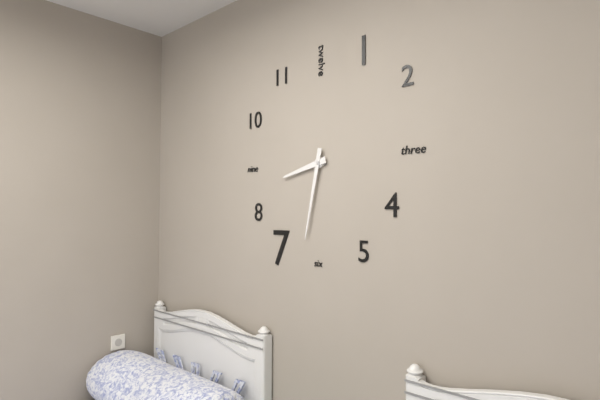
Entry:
**8:32**
